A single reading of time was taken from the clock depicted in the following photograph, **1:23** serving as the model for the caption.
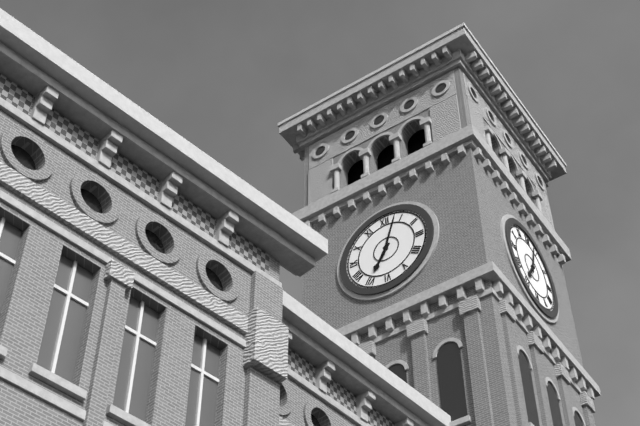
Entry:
**7:03**
